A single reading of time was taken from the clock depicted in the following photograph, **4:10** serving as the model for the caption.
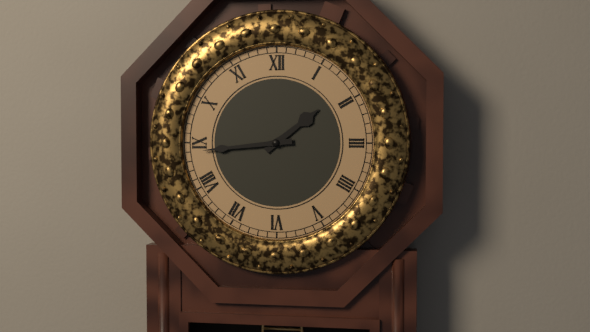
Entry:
**1:44**
